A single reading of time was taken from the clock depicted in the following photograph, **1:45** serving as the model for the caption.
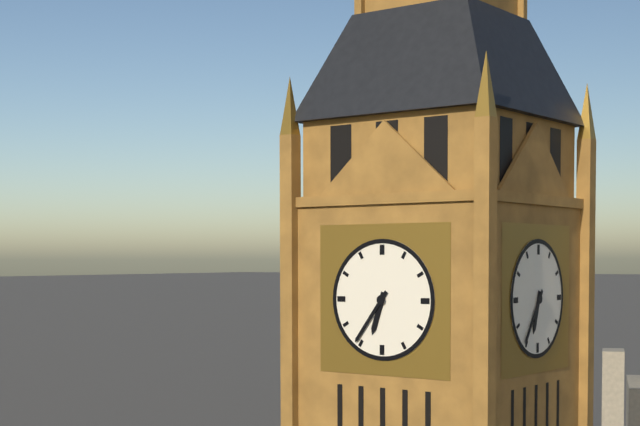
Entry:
**6:36**
